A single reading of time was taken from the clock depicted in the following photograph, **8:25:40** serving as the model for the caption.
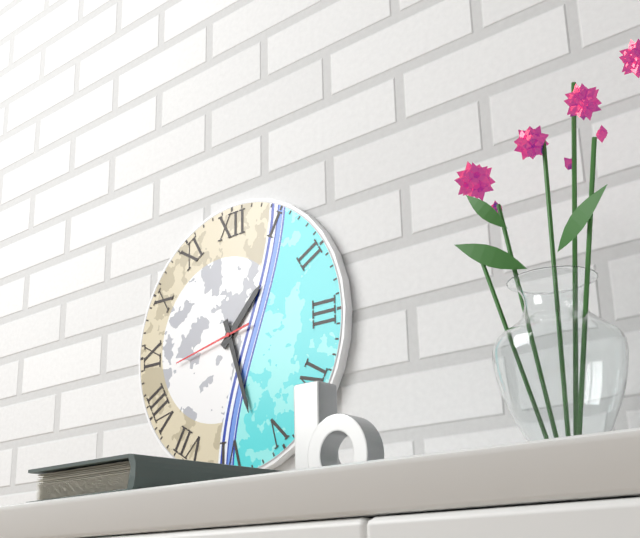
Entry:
**1:27:43**
